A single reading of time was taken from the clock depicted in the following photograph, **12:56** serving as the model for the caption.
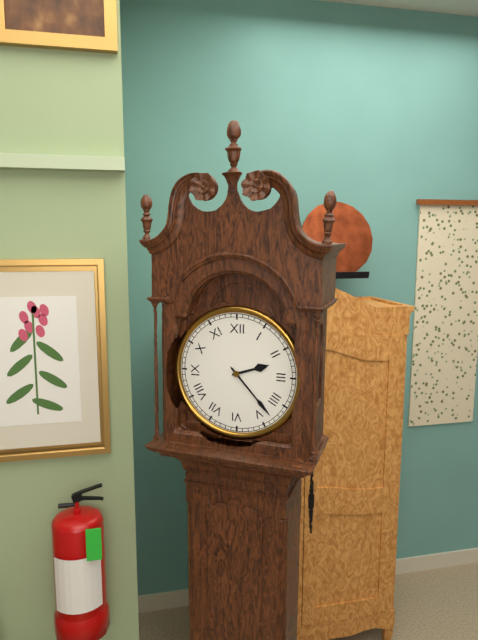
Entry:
**2:23**
